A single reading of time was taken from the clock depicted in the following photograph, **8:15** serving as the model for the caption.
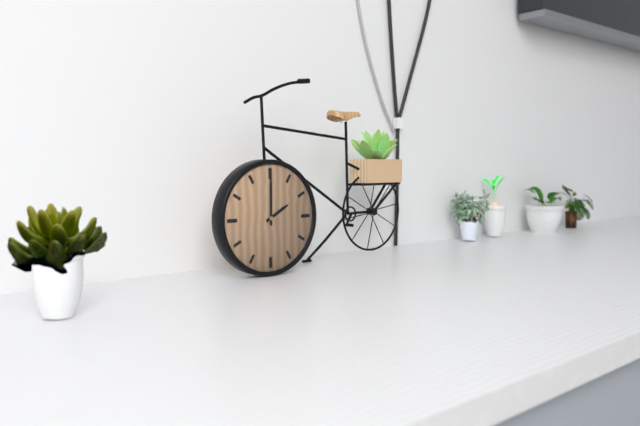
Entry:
**2:00**
